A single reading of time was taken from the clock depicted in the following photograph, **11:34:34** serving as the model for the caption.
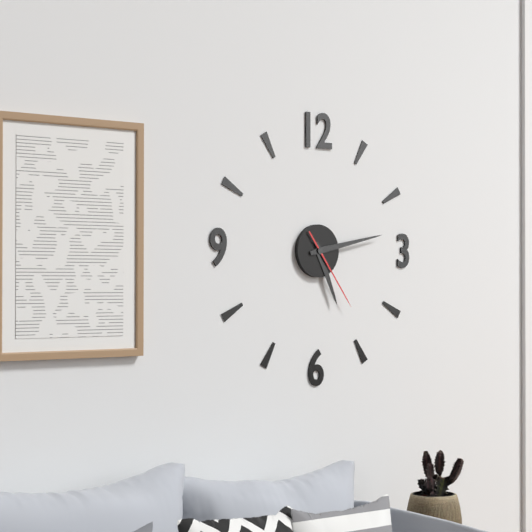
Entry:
**5:13:24**
